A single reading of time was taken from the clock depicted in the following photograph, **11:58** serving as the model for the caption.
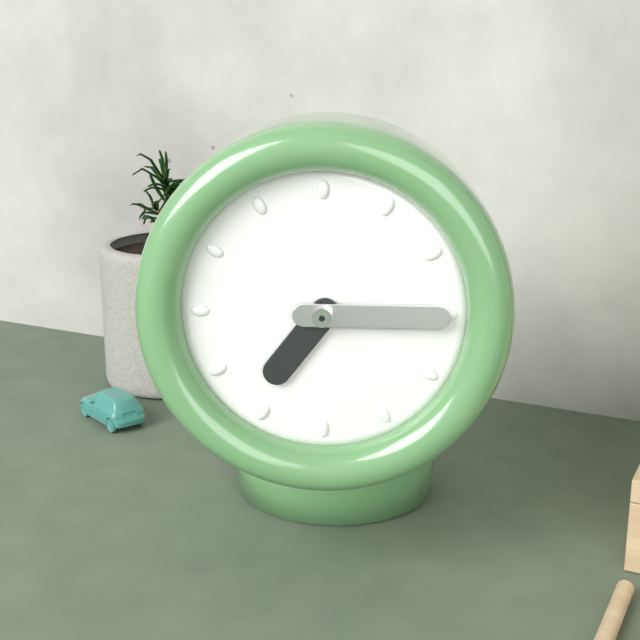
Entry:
**7:15**
